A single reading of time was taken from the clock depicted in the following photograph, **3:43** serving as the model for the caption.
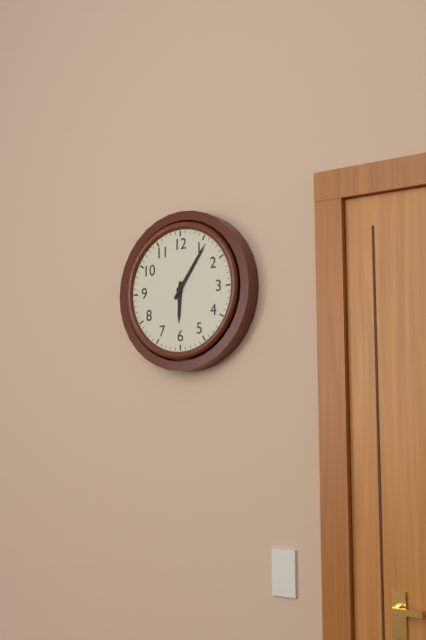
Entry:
**6:06**
